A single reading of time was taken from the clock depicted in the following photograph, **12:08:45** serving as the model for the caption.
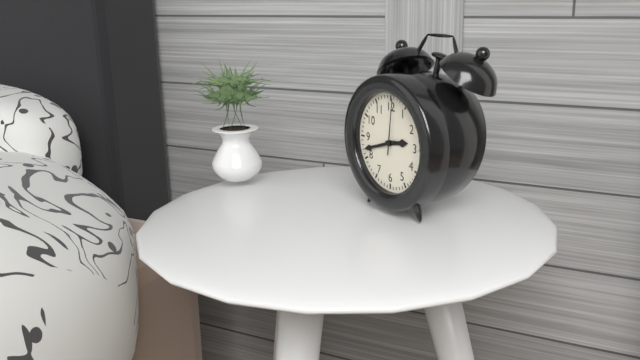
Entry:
**2:42:01**
